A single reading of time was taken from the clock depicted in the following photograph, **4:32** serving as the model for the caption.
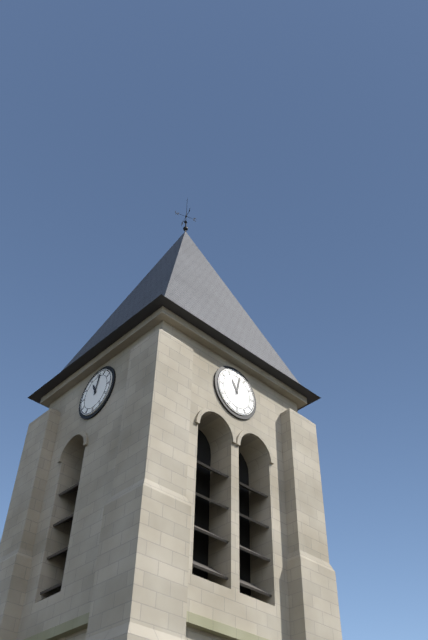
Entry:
**11:02**
